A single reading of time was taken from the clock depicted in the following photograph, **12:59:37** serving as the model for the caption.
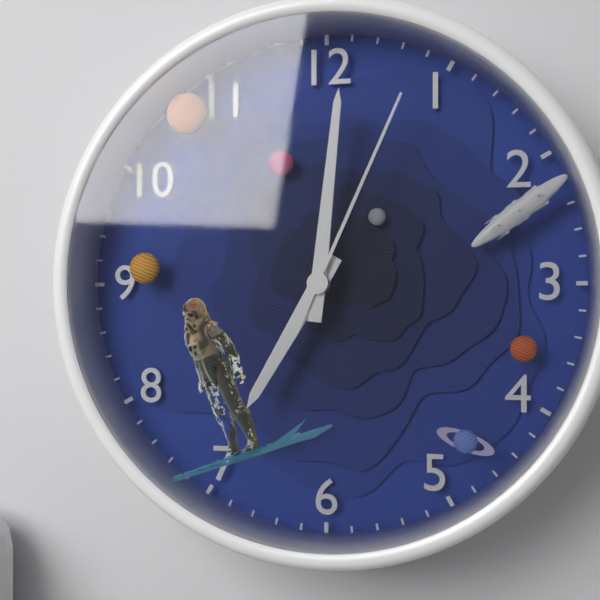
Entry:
**7:01:04**
